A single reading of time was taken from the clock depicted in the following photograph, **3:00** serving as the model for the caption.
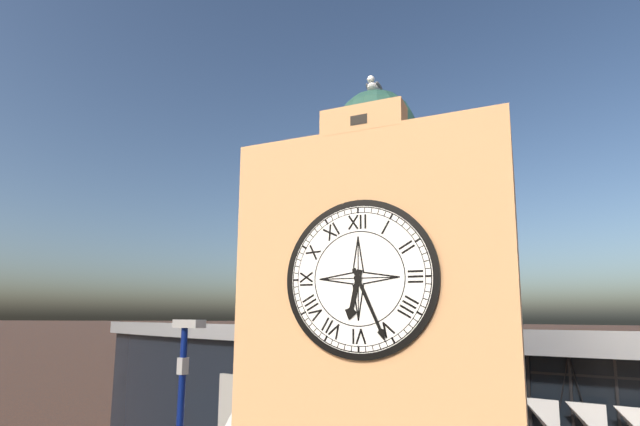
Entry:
**6:26**
